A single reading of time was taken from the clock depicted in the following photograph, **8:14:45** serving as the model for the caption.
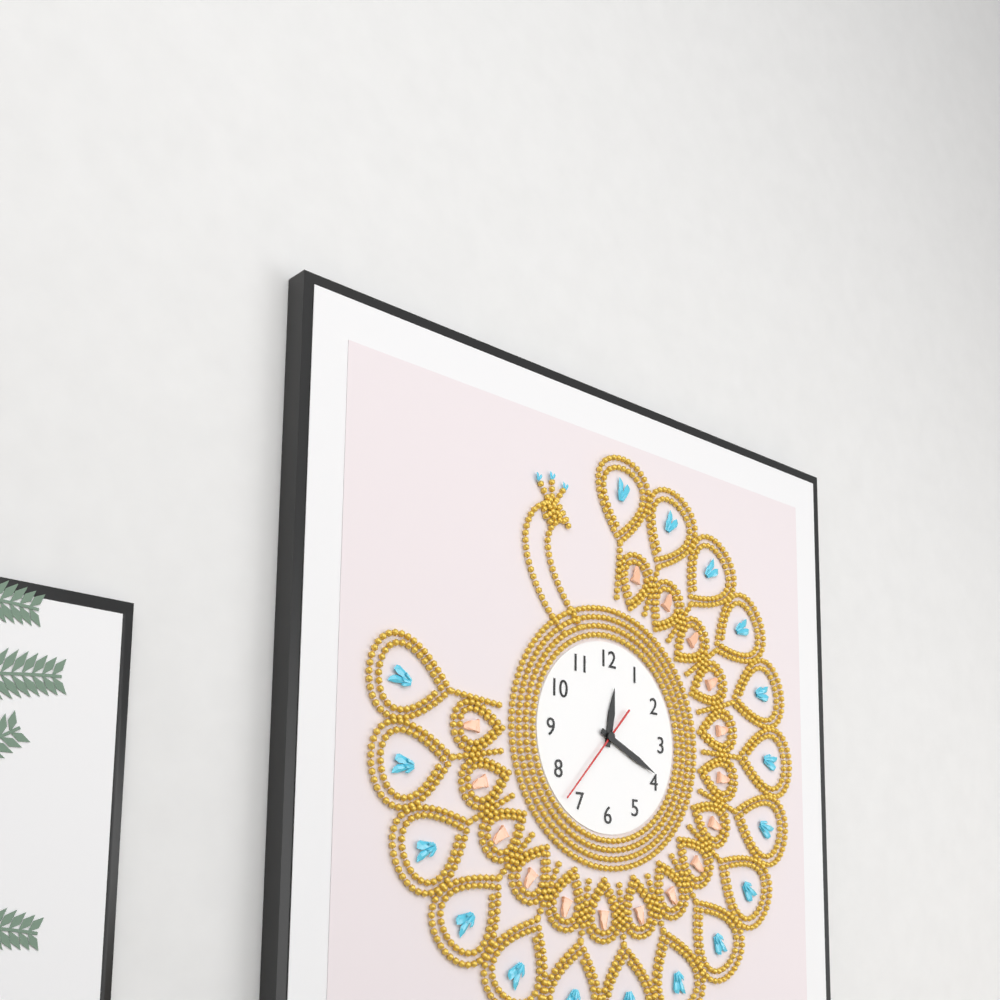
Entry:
**12:19:37**
